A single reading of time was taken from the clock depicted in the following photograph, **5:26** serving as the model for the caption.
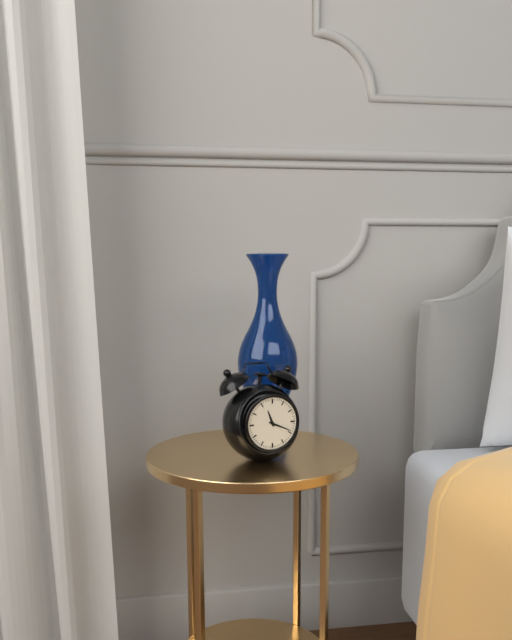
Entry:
**11:19**
